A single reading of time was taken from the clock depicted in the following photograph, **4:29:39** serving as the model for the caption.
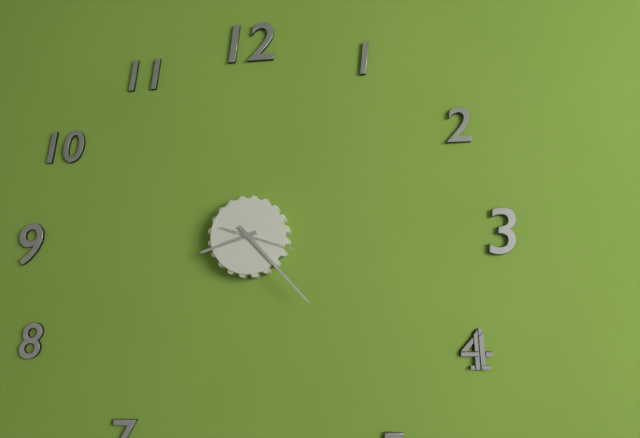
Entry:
**8:23:18**
